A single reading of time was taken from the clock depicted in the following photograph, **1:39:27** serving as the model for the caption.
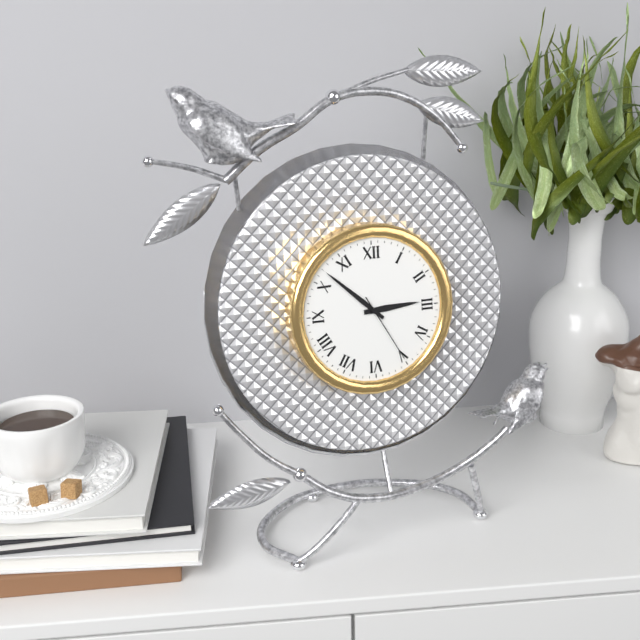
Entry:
**2:52:25**
